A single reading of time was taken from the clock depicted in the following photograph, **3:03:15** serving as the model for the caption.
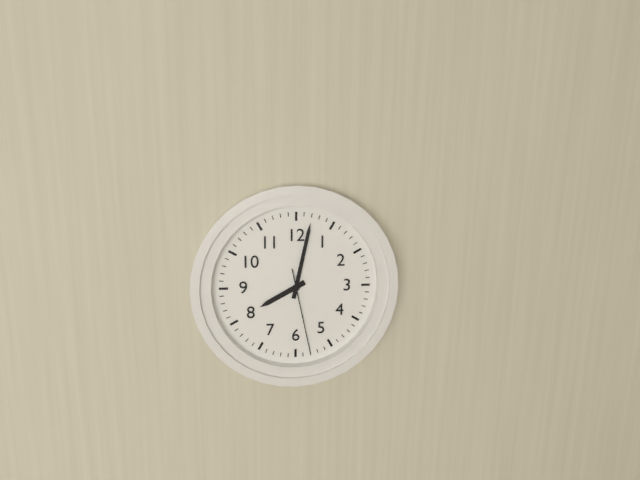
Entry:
**8:02:28**
